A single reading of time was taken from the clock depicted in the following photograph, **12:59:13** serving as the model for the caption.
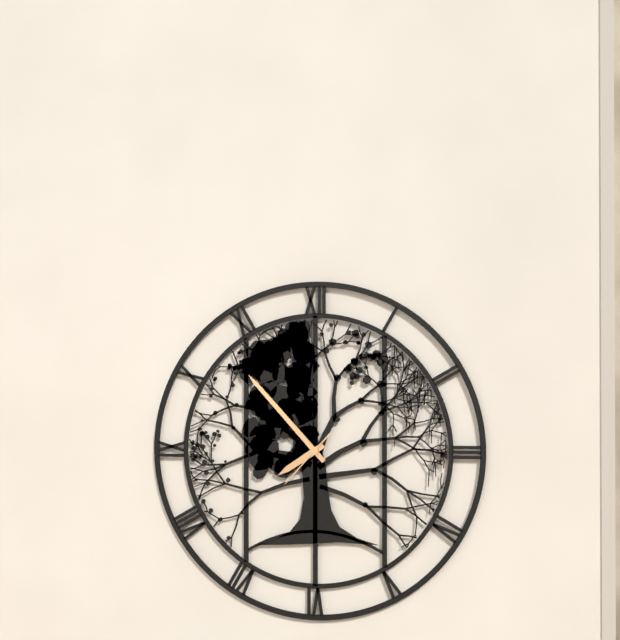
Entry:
**7:53:37**
